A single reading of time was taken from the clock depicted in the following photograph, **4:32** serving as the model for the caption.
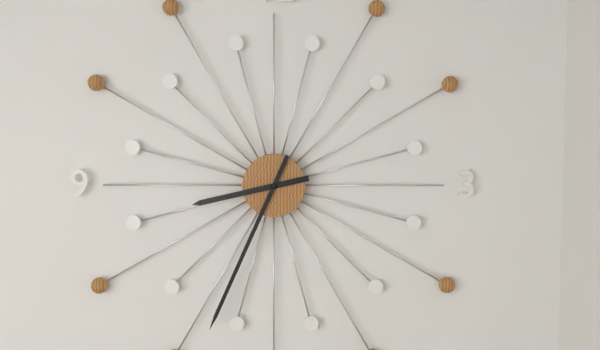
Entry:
**8:34**
